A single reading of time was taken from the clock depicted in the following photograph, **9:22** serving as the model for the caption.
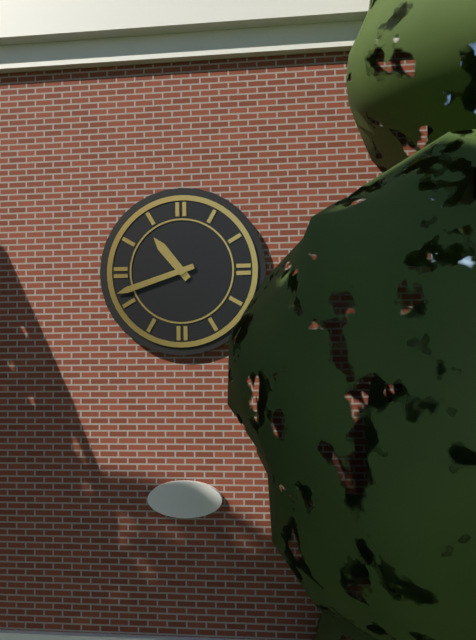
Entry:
**10:42**
